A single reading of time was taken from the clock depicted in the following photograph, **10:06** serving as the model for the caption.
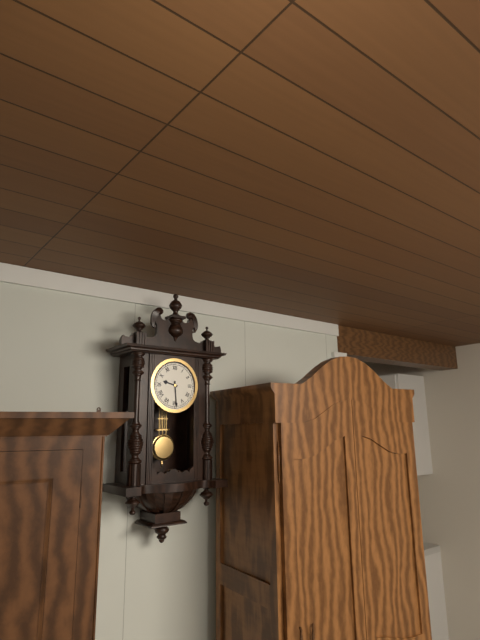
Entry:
**9:29**
